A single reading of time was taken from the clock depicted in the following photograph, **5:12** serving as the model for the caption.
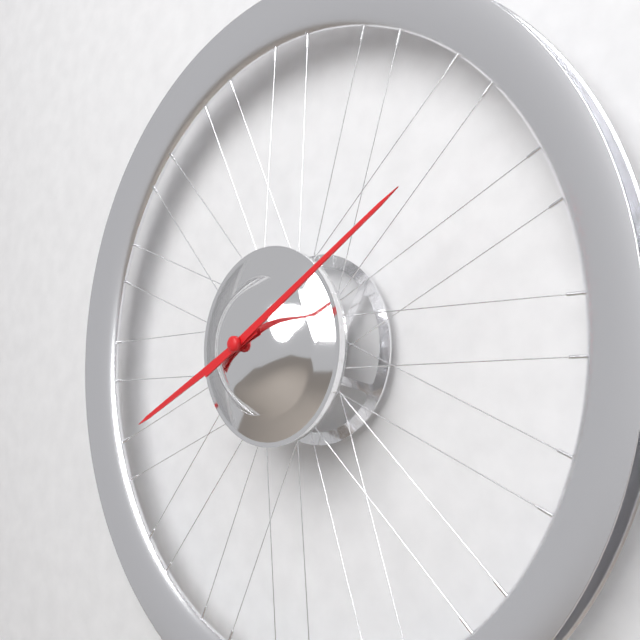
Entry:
**8:10**
